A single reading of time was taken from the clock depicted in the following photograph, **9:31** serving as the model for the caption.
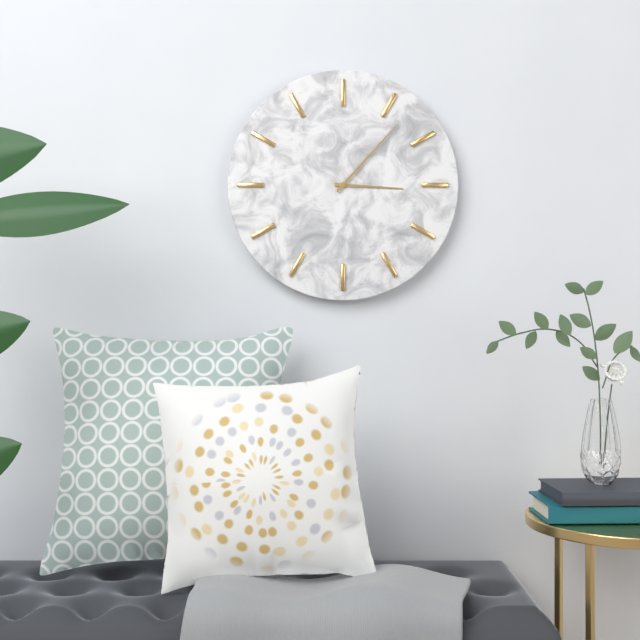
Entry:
**3:07**
